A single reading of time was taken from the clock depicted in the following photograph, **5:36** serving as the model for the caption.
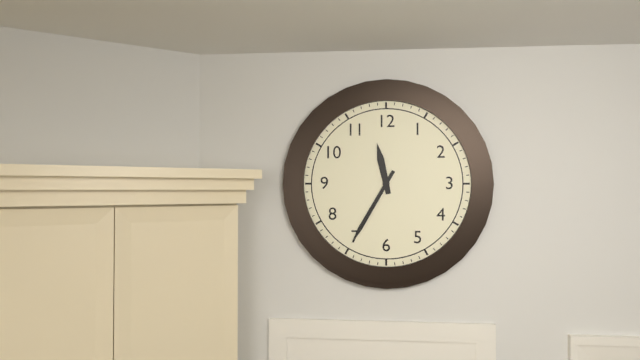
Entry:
**11:35**
